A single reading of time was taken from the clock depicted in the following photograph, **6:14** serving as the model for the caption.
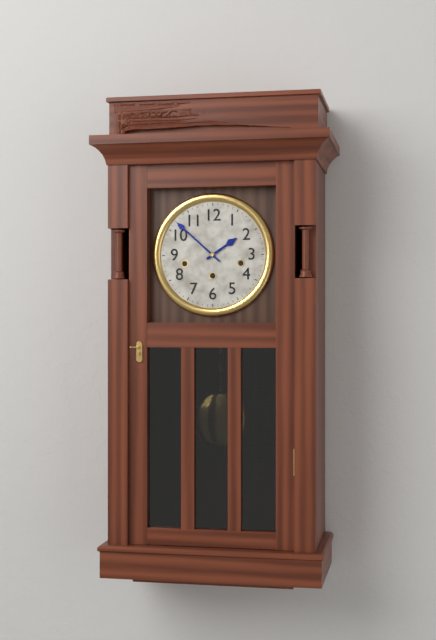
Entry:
**1:52**
